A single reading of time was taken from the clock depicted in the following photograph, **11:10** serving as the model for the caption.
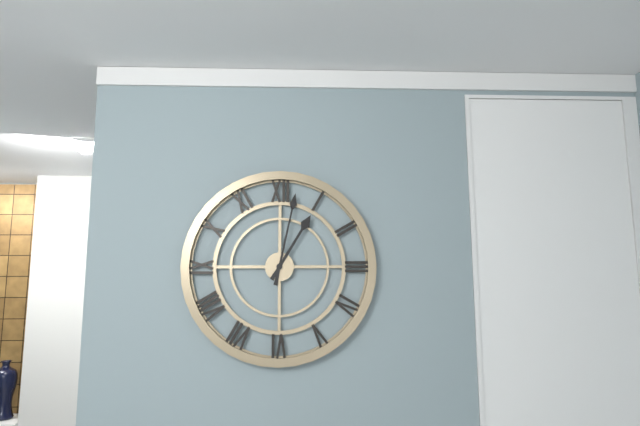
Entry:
**1:02**
